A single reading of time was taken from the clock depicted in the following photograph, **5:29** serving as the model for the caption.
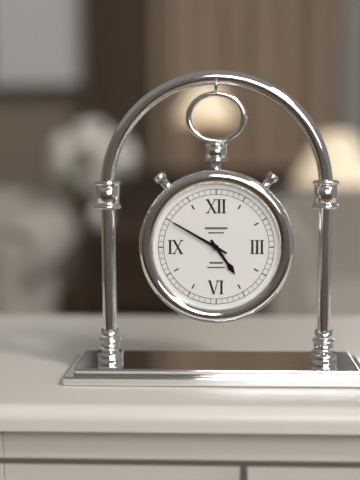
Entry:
**4:50**
